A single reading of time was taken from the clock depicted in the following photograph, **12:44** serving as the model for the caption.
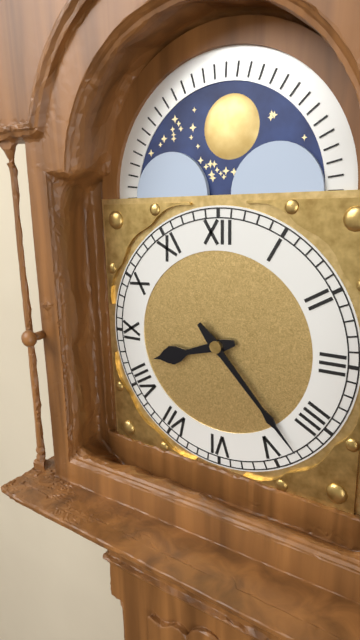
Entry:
**8:23**
